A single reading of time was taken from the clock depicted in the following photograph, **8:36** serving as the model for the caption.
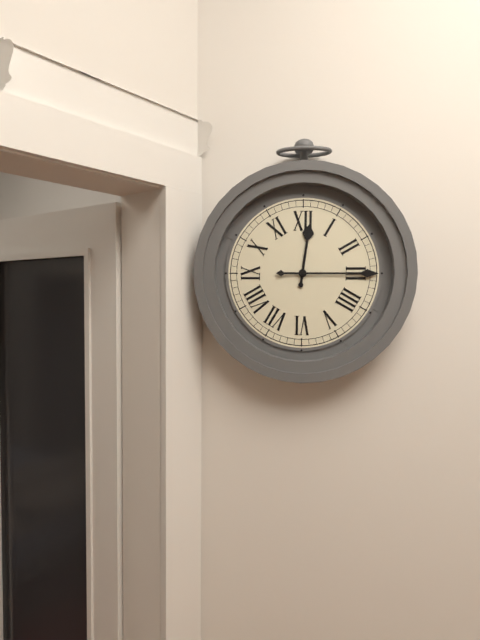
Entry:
**12:15**
